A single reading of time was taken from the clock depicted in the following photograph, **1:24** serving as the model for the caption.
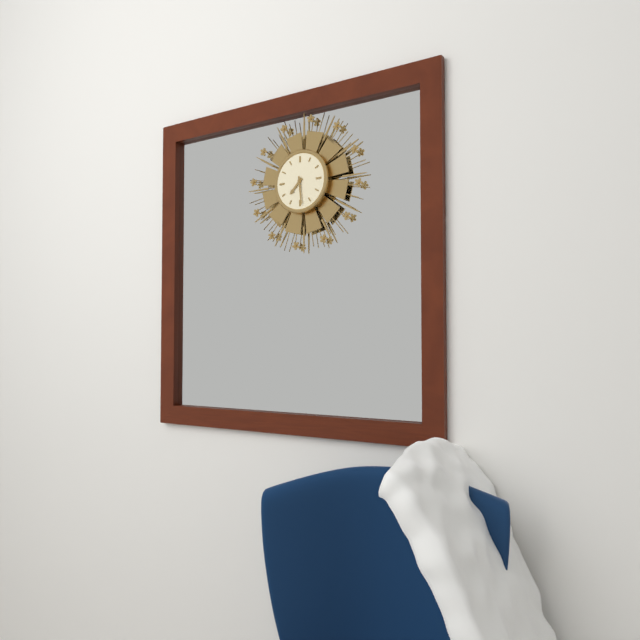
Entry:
**7:29**
